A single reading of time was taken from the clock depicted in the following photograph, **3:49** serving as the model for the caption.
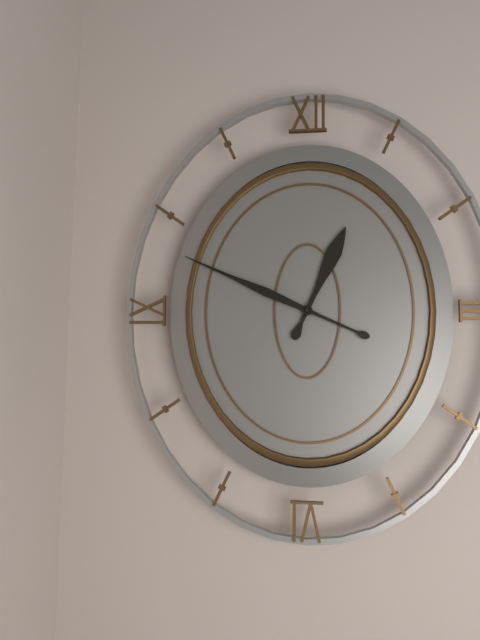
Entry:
**12:49**
